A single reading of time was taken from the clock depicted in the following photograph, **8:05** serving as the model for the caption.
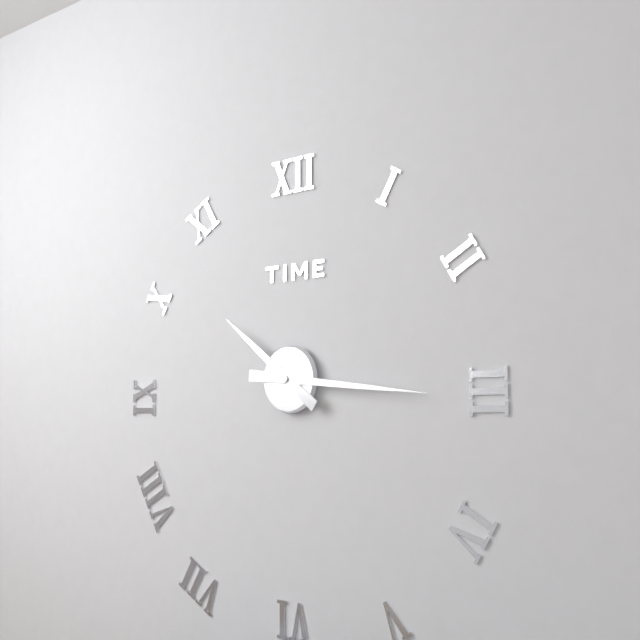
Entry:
**10:16**
